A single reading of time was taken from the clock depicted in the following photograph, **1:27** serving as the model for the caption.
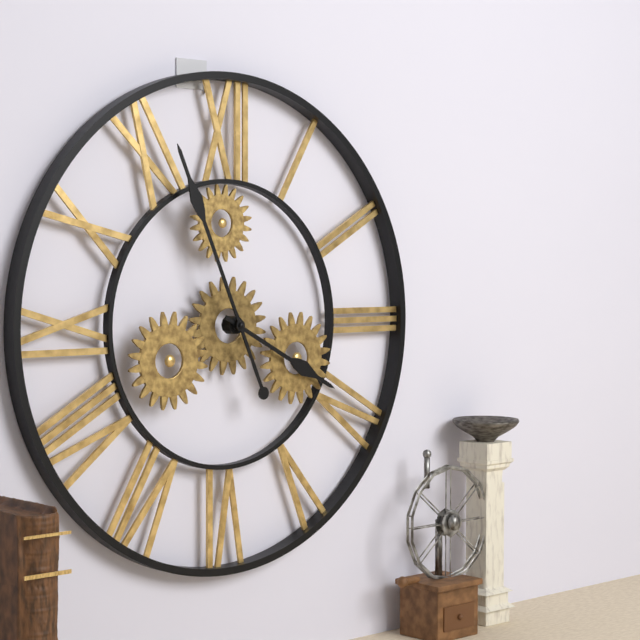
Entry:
**3:56**
